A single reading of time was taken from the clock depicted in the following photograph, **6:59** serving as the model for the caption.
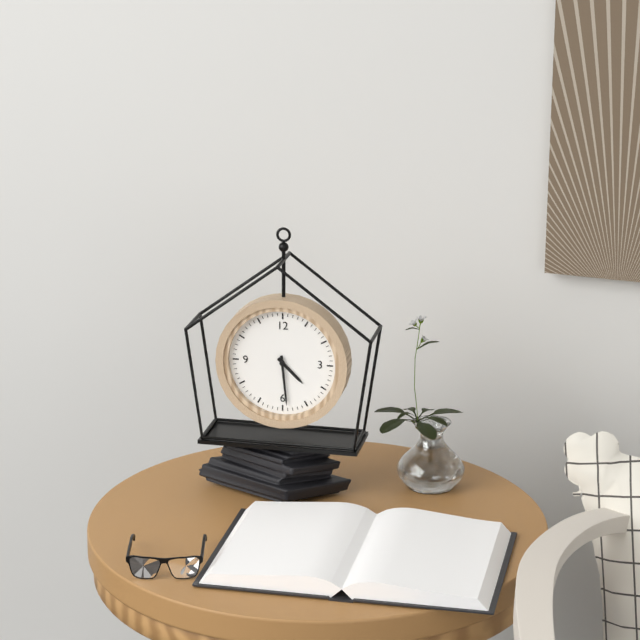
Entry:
**4:29**
